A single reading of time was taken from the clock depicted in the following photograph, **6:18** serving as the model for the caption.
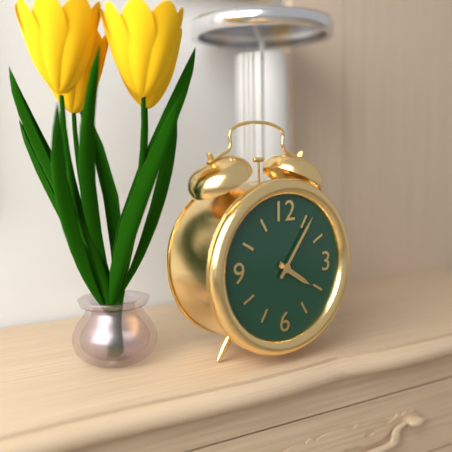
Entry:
**4:06**
